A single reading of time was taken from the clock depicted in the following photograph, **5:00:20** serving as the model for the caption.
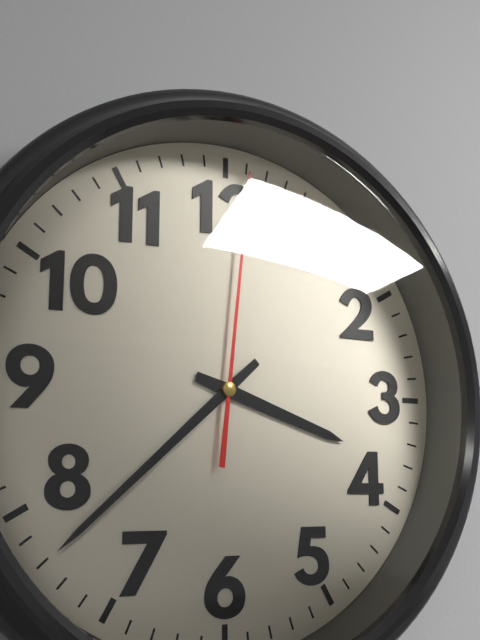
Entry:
**3:38:01**
